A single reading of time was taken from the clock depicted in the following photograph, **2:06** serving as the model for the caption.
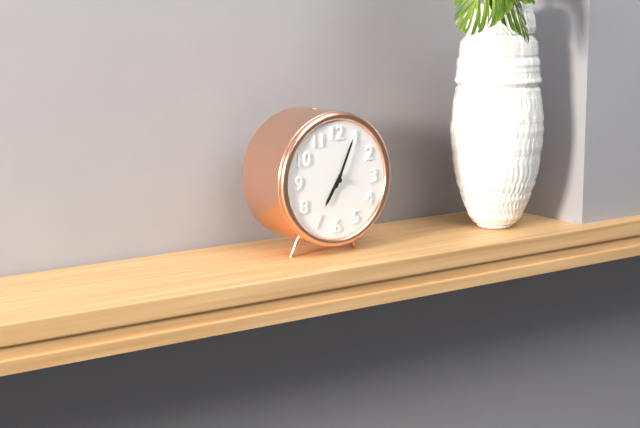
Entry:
**7:04**
